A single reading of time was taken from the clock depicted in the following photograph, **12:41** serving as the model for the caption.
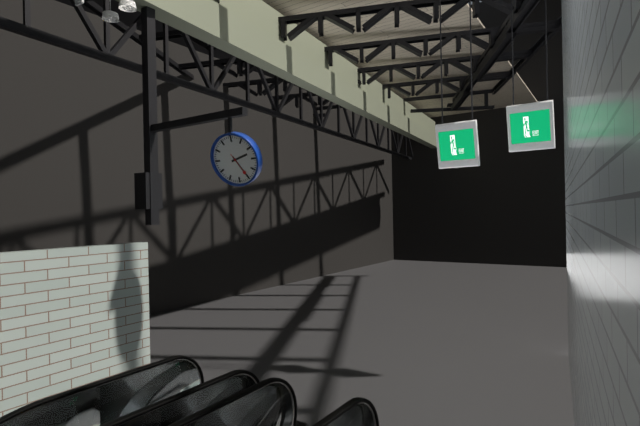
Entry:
**2:25**
